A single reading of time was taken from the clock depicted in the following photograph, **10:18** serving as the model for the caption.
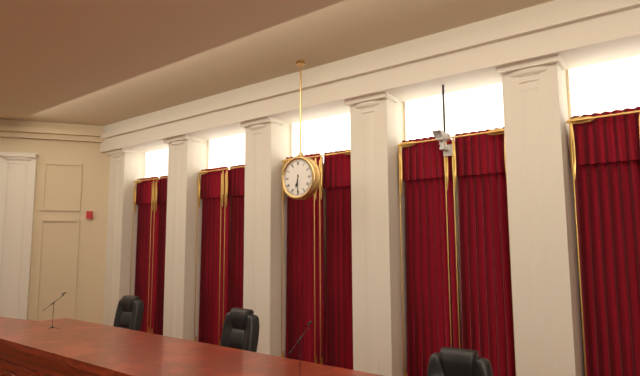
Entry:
**6:30**
